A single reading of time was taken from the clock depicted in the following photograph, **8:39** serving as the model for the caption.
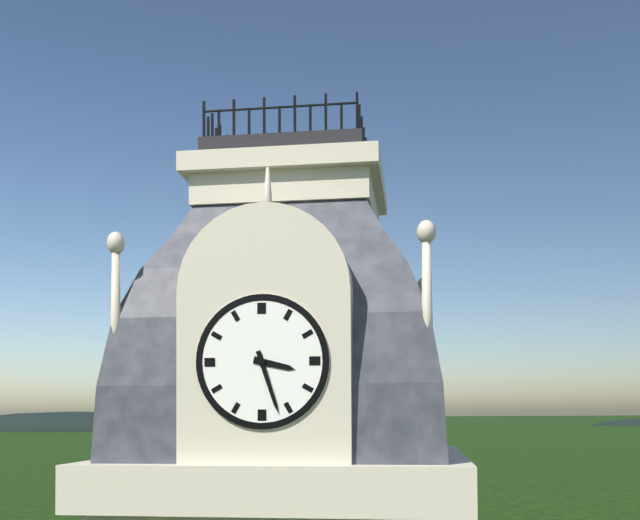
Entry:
**3:27**
